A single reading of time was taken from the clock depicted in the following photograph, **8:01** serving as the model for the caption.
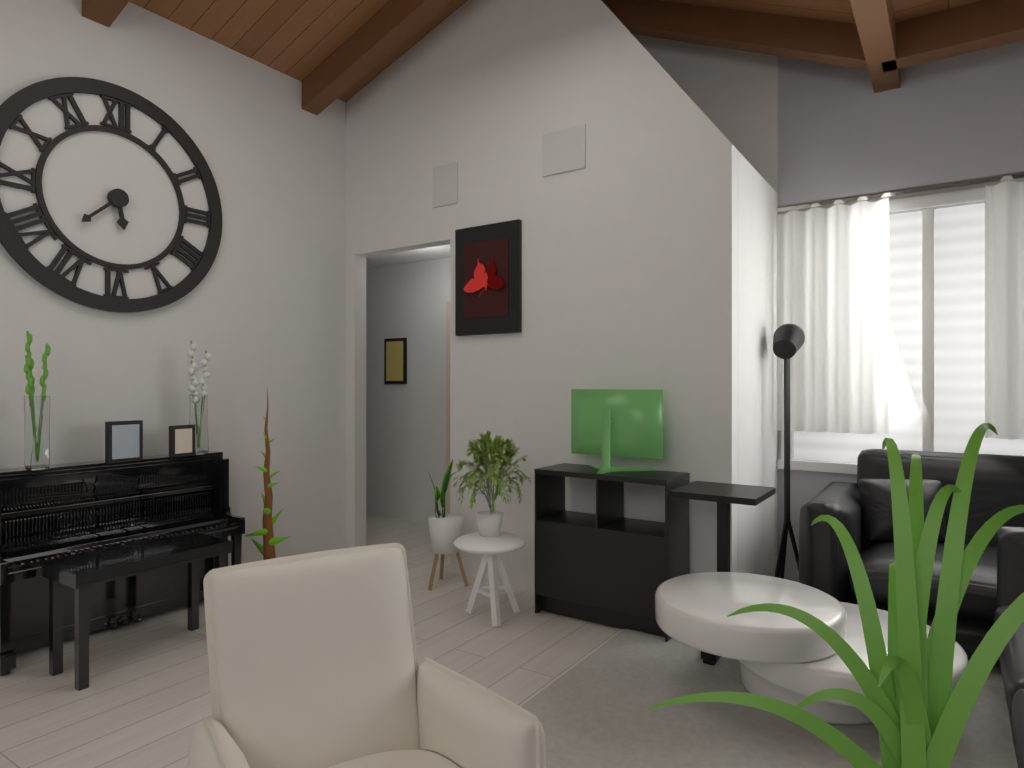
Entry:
**5:38**
